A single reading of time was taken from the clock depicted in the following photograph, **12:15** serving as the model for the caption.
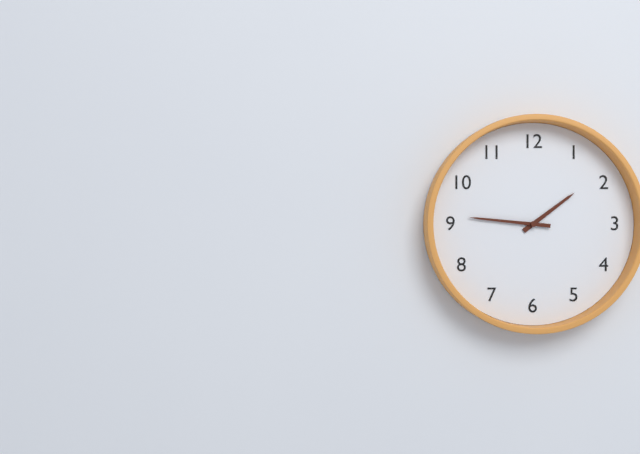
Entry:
**1:46**
